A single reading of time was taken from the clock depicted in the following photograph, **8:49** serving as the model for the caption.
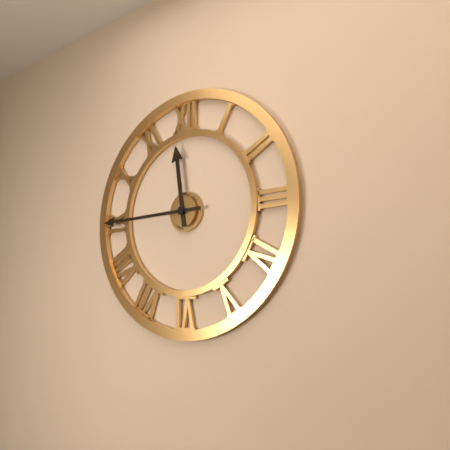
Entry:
**11:45**
